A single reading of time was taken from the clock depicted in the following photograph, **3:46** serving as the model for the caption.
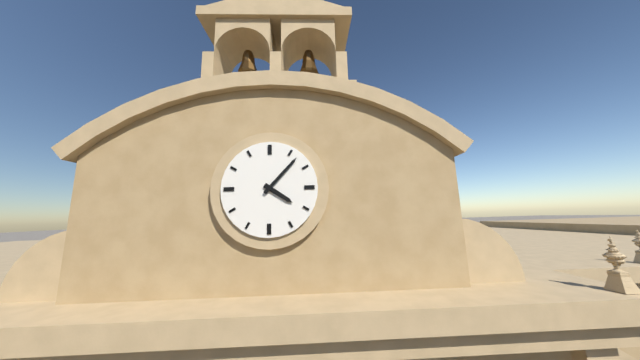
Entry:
**4:07**
